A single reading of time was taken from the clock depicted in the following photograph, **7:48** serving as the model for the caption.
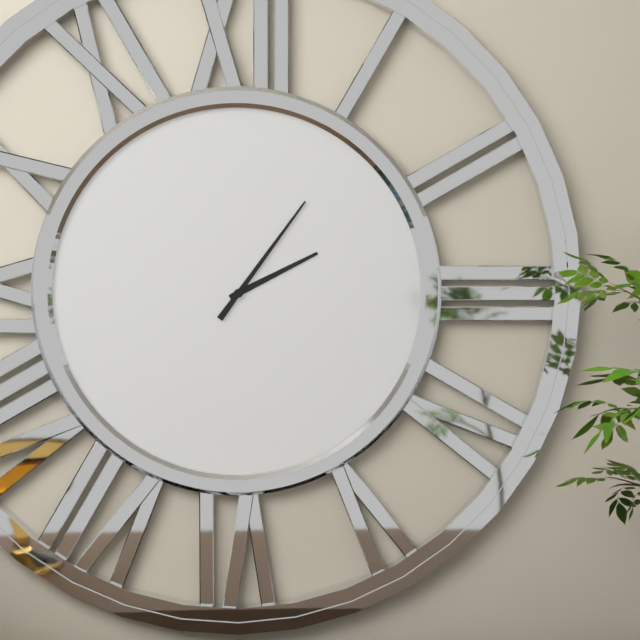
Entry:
**2:06**
